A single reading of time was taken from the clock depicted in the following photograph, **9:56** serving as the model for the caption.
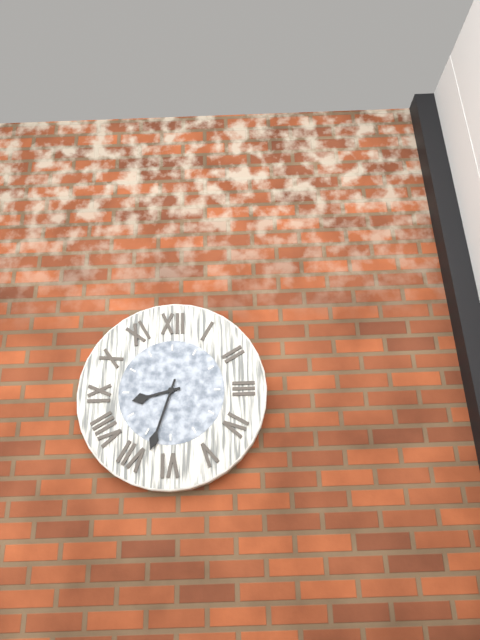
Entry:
**8:33**
